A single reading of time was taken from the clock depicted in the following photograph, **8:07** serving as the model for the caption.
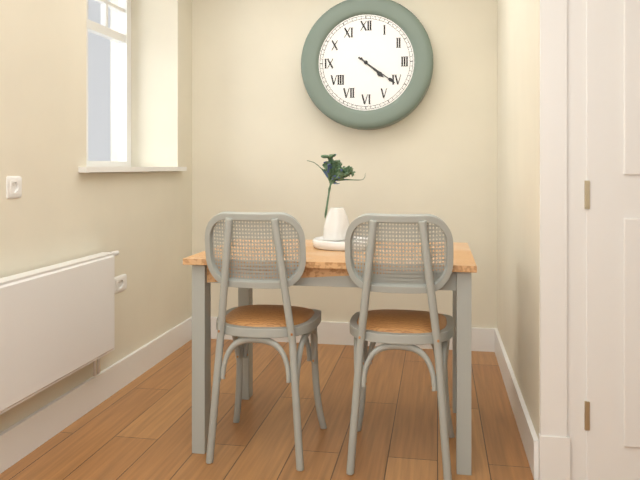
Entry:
**4:21**
